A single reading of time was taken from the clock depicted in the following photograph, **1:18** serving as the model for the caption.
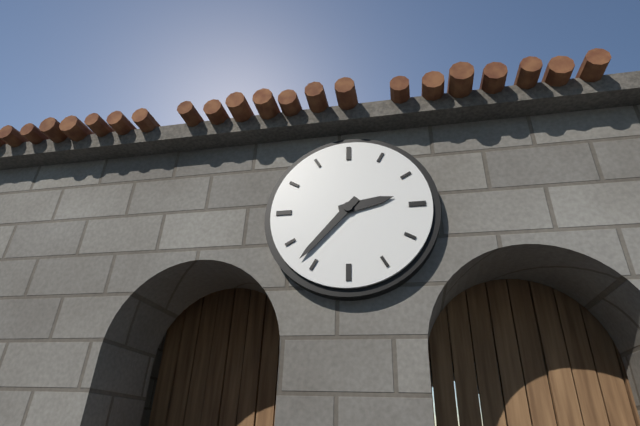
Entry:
**2:37**
